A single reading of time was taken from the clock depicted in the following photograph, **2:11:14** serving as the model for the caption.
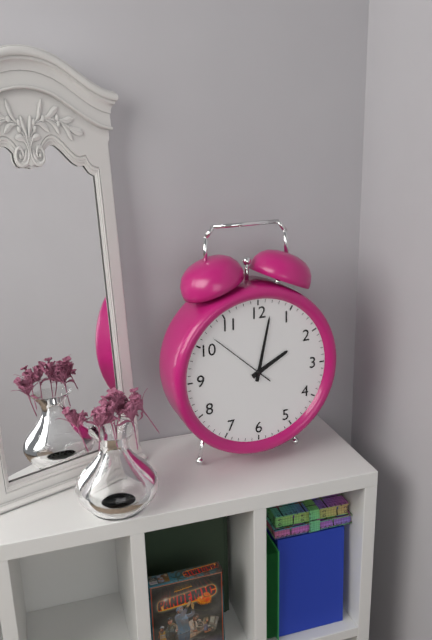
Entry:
**2:02:52**
